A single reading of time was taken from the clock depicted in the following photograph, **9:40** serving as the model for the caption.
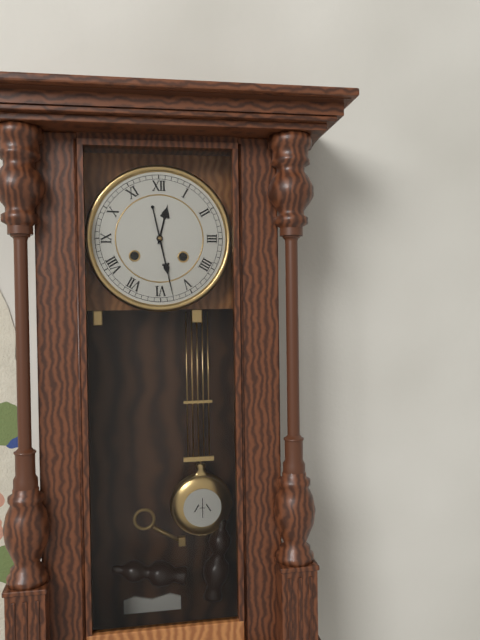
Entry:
**12:28**
